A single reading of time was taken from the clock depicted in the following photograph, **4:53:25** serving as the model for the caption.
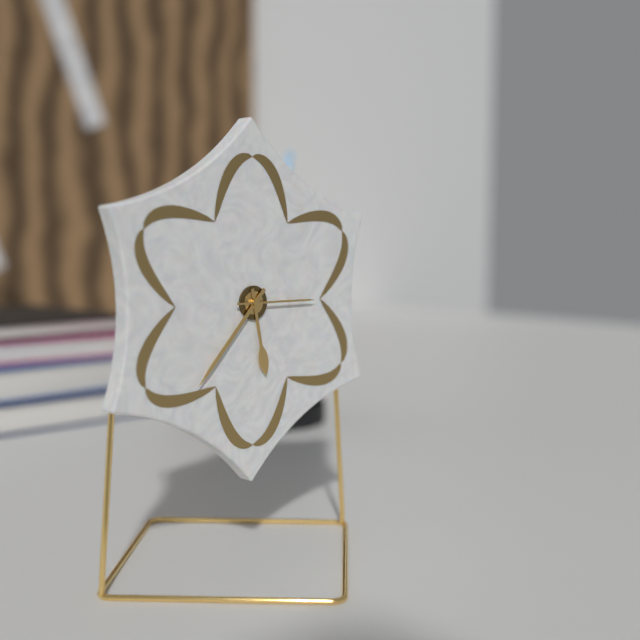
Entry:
**5:37:15**
